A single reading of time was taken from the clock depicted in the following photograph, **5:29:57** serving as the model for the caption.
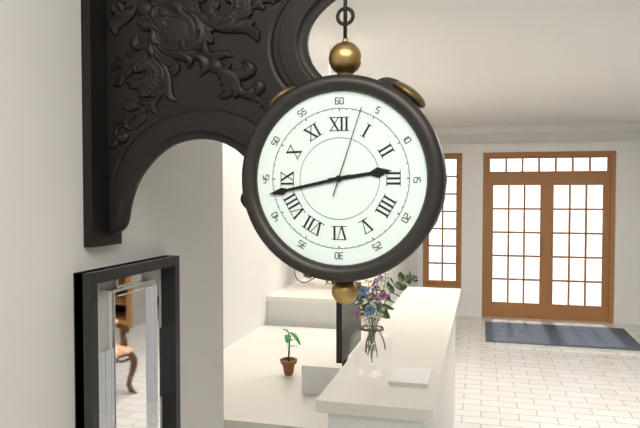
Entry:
**2:43:03**
